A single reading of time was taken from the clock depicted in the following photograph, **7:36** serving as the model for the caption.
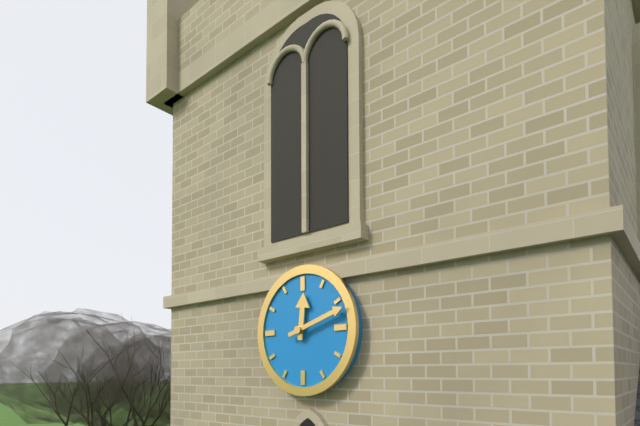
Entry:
**12:12**
